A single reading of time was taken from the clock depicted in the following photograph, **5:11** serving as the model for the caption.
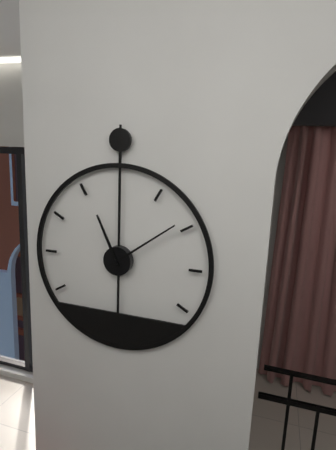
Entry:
**11:09**
